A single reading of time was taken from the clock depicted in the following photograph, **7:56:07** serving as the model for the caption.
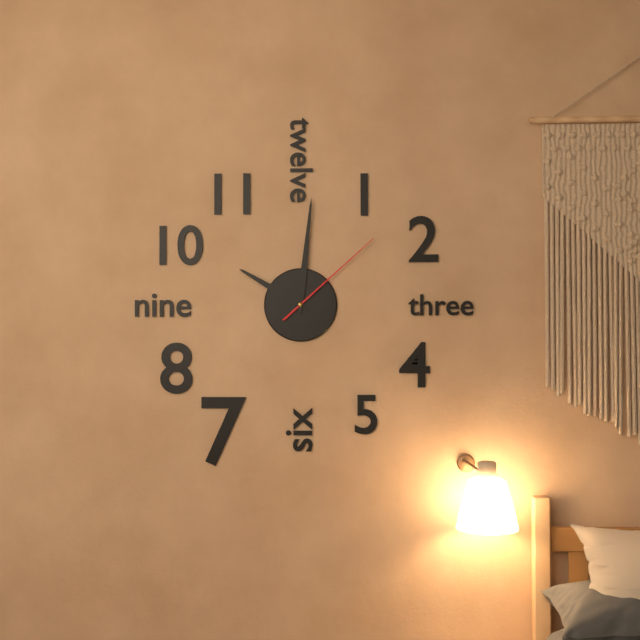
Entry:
**10:01:08**
